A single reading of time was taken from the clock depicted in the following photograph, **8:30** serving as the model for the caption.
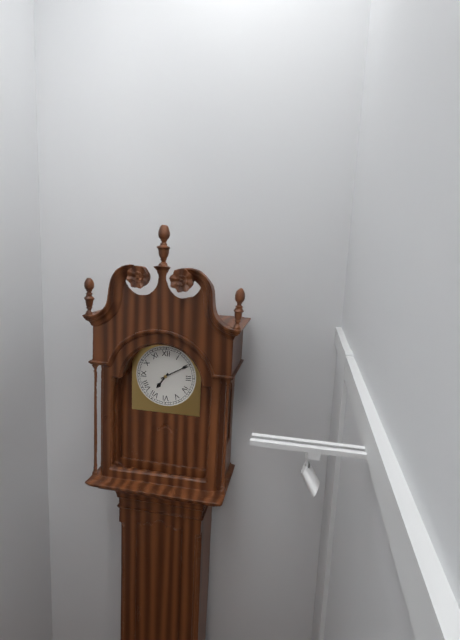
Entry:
**7:10**
